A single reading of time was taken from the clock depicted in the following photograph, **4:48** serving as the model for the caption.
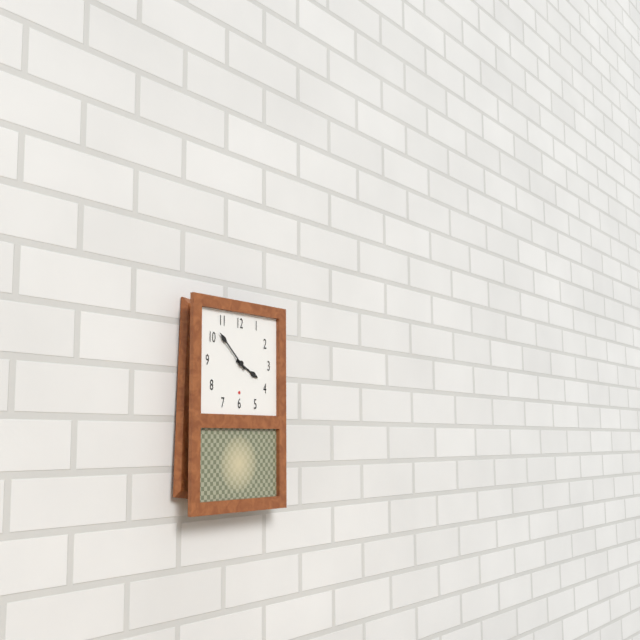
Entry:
**3:52**
